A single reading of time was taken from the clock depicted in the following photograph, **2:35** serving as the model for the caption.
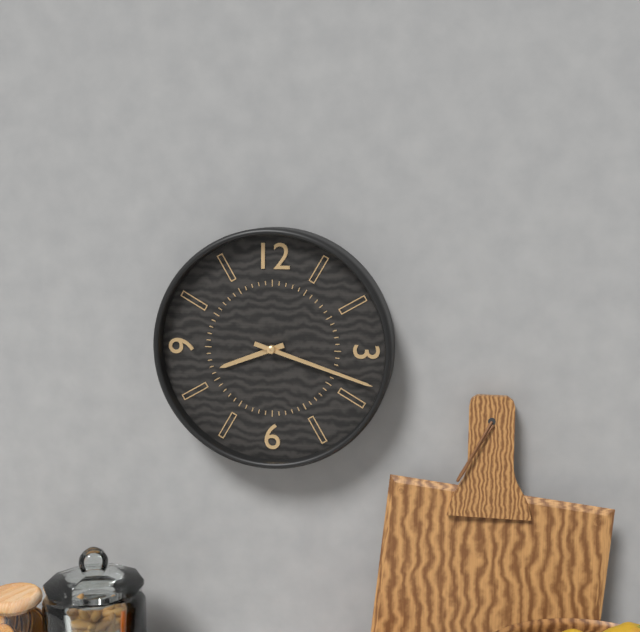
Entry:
**8:18**
